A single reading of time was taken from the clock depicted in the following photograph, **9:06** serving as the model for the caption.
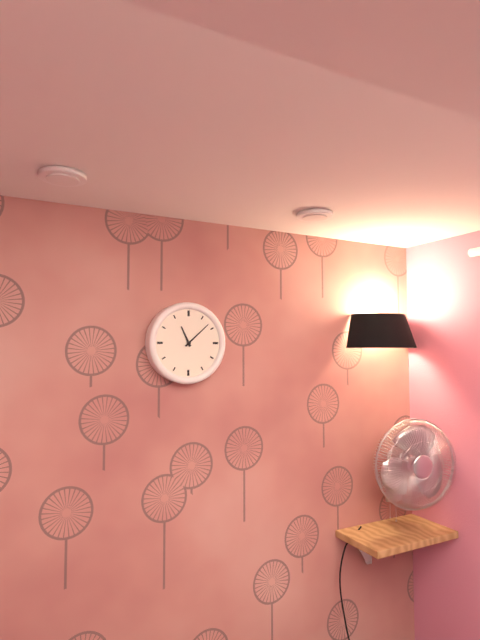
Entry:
**11:08**
